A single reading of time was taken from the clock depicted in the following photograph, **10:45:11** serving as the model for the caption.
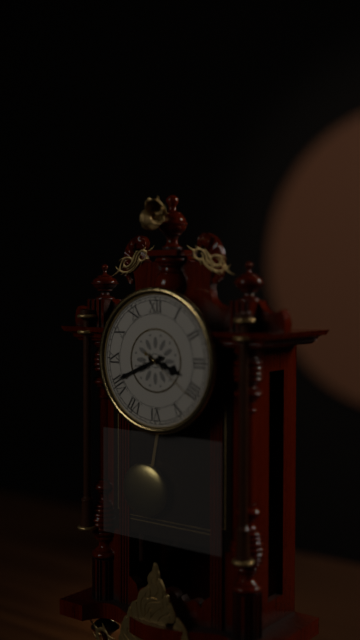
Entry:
**3:41:21**
